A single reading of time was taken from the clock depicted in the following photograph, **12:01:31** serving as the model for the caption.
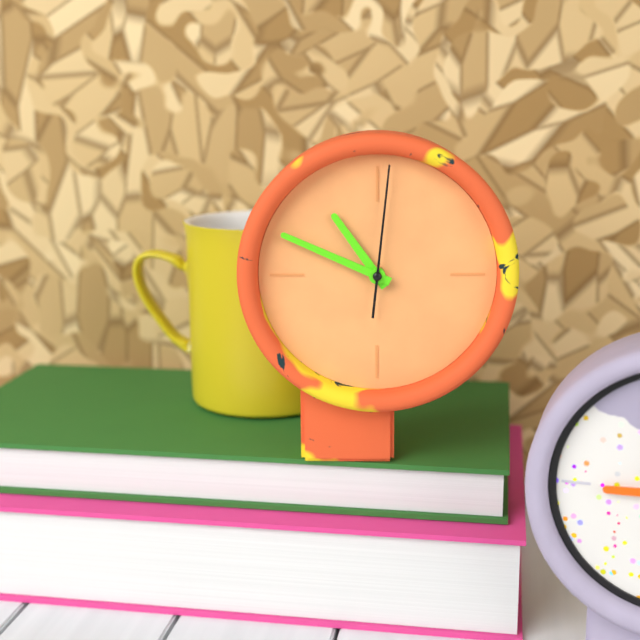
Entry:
**10:49:01**
